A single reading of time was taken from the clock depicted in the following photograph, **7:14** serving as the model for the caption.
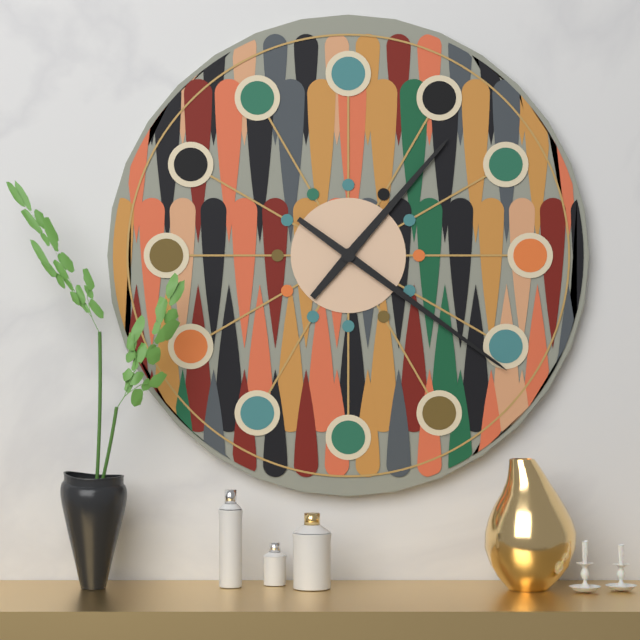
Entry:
**1:21**
